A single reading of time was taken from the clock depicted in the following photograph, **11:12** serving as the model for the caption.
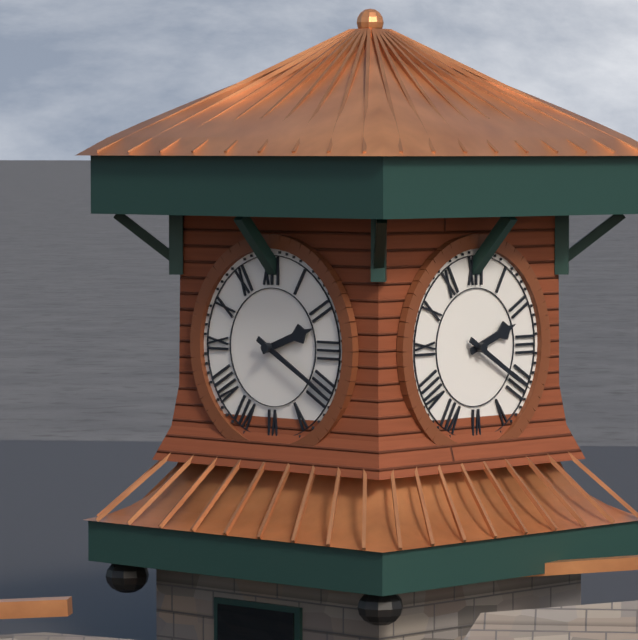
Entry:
**2:20**
